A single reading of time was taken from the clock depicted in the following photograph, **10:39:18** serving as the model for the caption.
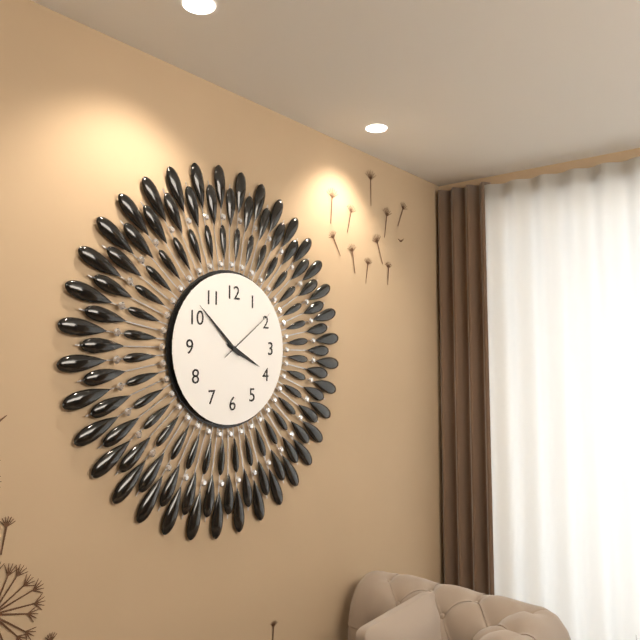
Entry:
**3:52:09**
